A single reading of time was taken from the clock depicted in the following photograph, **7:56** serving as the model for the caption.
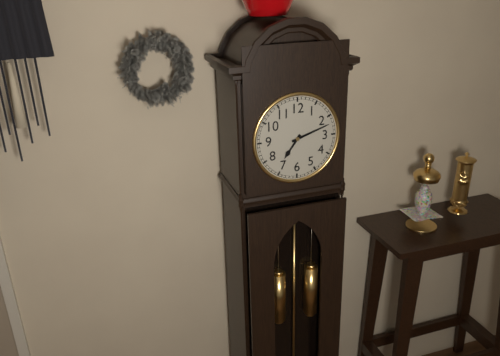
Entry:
**7:12**
